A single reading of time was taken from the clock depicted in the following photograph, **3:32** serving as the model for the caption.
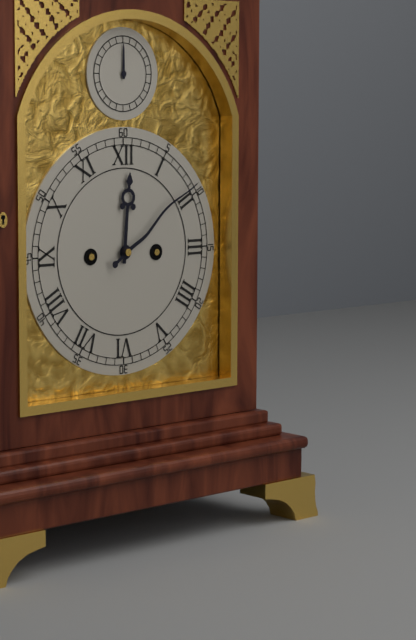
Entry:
**12:09**
